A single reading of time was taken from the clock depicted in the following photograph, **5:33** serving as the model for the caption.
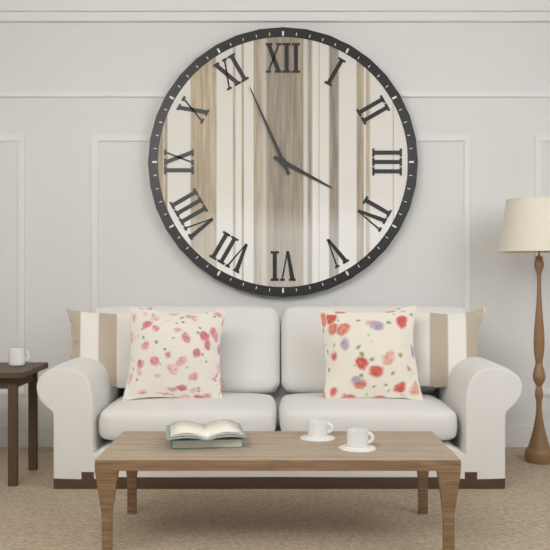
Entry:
**3:56**
